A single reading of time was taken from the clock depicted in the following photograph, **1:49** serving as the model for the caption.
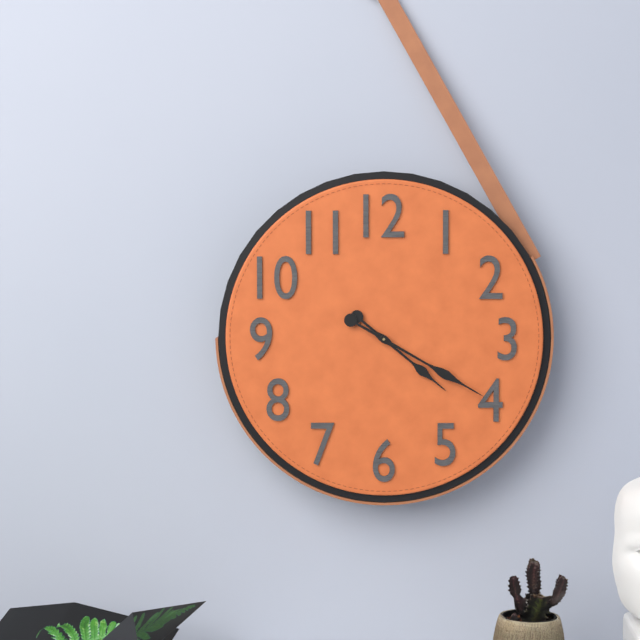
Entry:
**4:20**
